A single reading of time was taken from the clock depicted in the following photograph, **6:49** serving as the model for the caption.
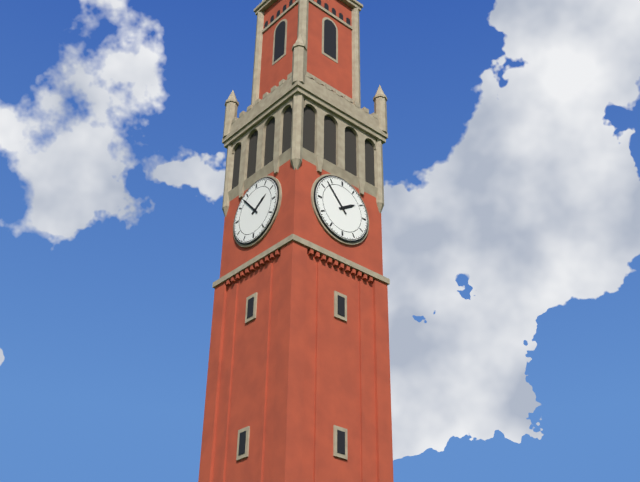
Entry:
**1:53**
